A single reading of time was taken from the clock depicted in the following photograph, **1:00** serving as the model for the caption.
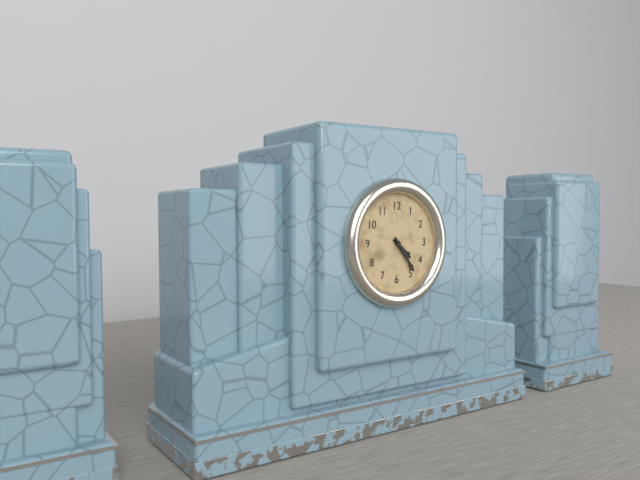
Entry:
**4:24**
